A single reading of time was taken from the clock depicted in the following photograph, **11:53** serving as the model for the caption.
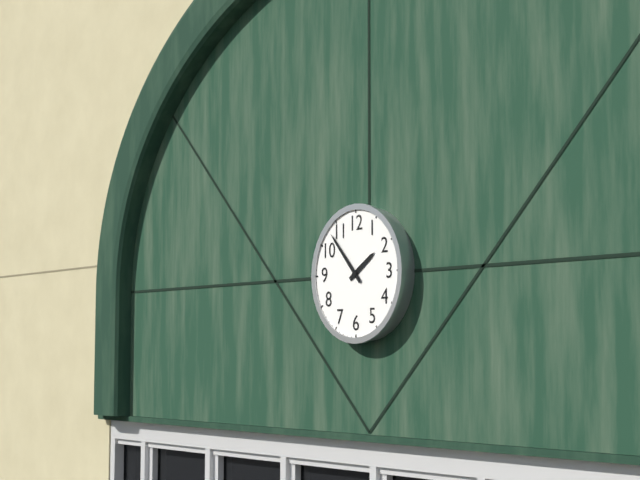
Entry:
**1:53**
